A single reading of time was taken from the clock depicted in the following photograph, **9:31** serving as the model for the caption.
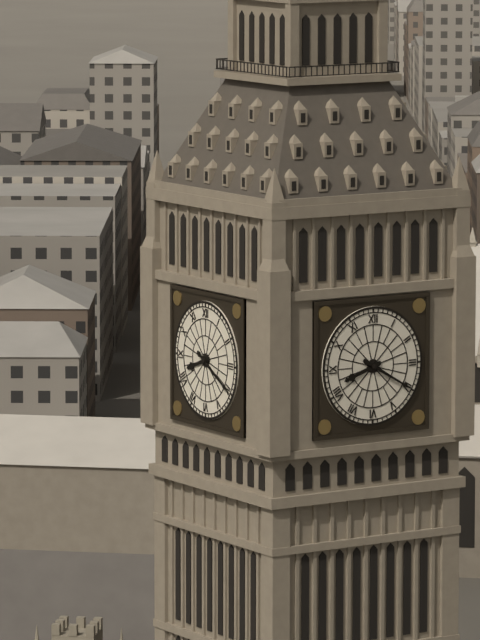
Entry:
**8:20**
